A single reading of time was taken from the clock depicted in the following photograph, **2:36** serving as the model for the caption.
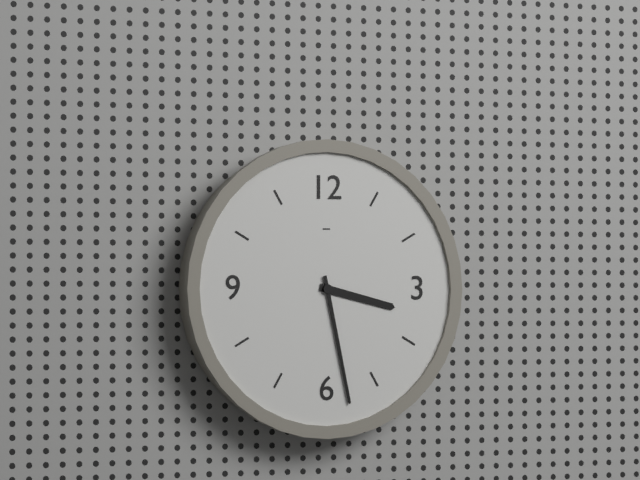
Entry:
**3:28**
